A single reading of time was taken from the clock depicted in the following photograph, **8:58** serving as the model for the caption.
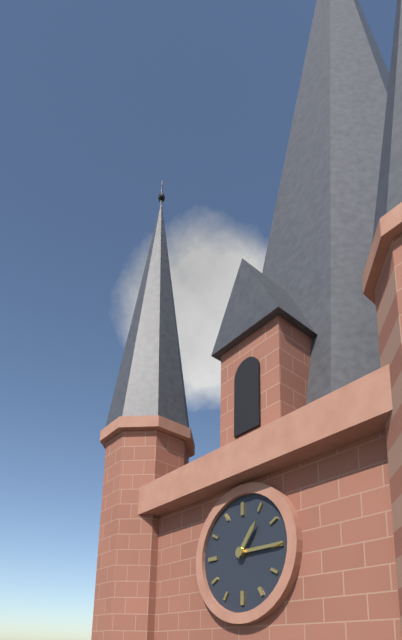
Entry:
**1:15**
